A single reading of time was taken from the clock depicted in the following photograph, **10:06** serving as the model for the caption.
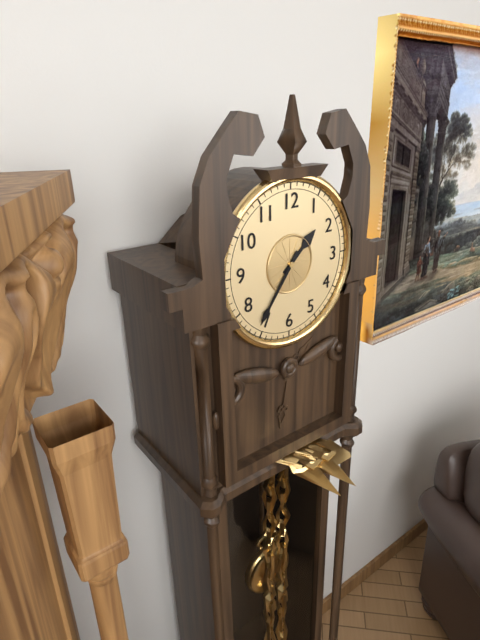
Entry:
**1:36**
